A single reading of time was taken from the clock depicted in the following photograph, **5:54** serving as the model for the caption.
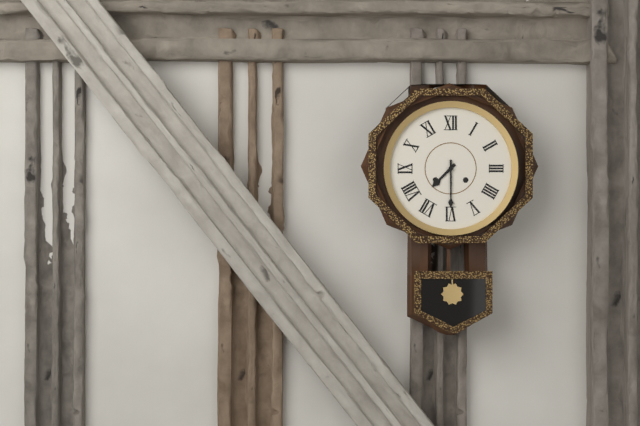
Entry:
**7:30**
